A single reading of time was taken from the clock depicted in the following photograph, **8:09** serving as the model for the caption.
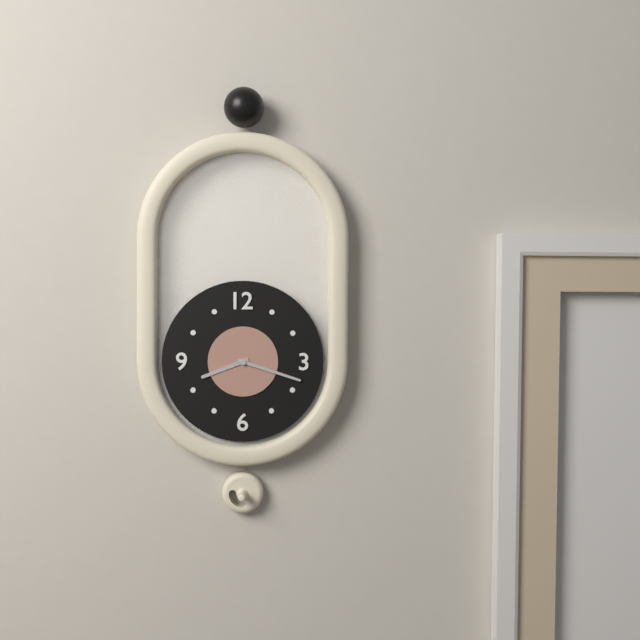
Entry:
**8:18**
